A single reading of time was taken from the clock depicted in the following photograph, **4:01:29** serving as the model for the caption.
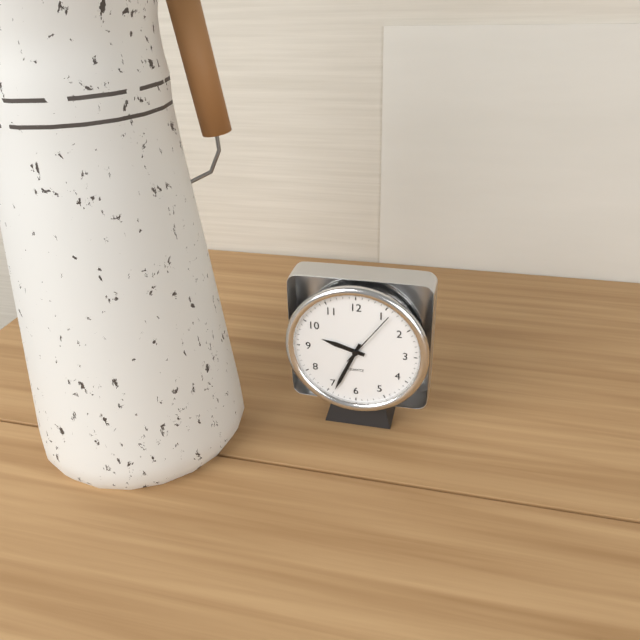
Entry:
**9:34:06**
